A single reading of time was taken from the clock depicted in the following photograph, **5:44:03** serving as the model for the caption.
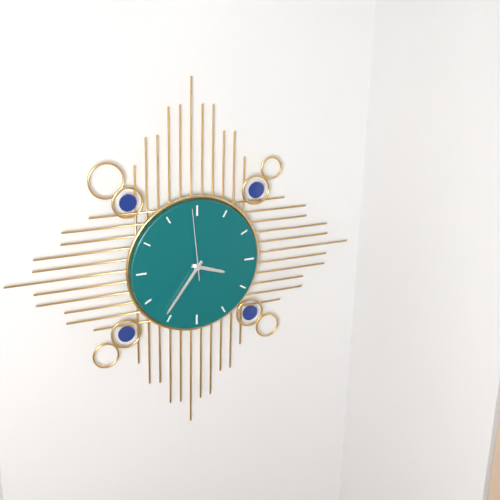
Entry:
**3:36:59**
